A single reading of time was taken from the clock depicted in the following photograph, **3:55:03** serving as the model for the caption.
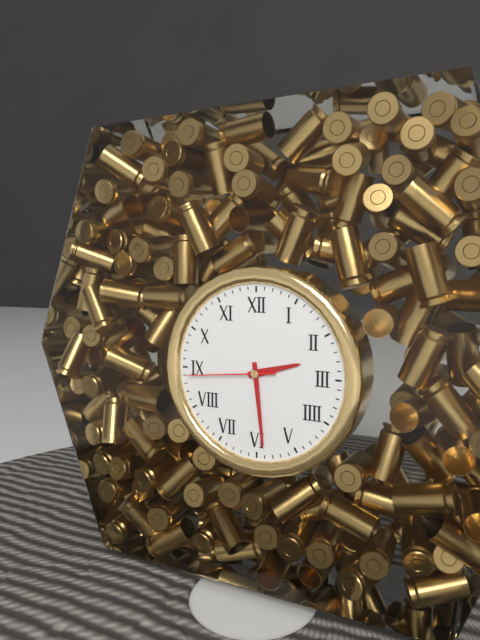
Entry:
**2:29:44**
